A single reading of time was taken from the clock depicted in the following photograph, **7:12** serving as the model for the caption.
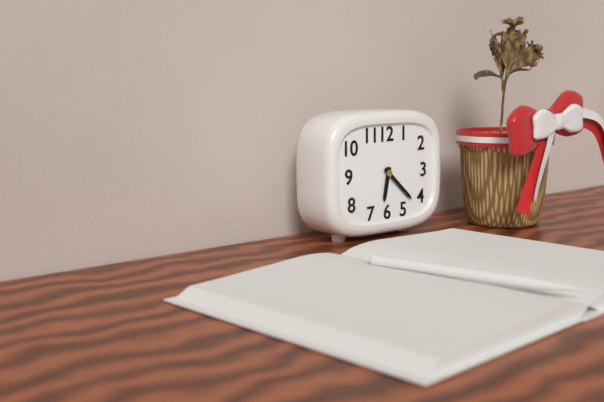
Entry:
**6:22**
